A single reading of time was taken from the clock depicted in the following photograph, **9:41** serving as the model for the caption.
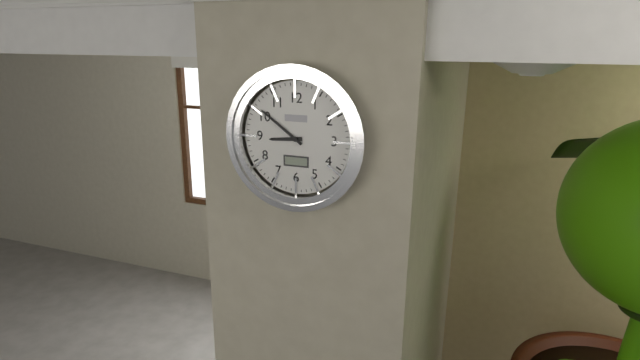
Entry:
**8:51**
